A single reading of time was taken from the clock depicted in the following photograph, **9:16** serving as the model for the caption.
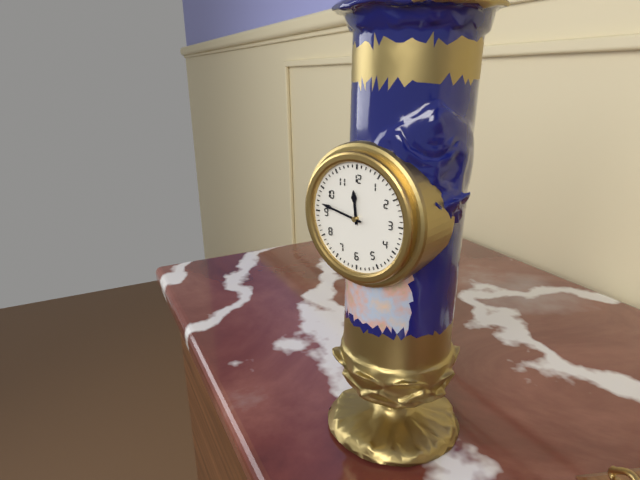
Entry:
**11:47**
